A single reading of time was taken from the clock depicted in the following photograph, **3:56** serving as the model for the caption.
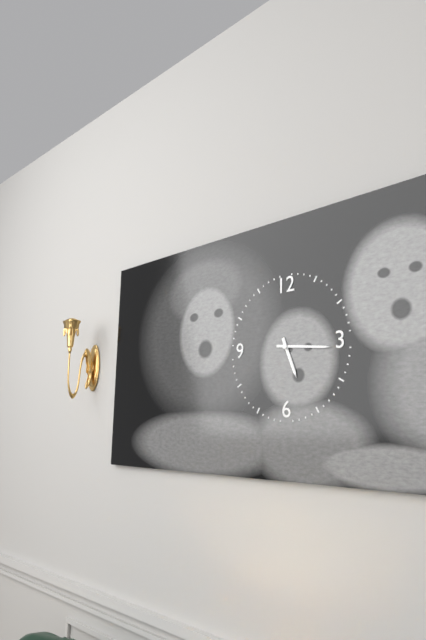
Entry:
**5:16**
